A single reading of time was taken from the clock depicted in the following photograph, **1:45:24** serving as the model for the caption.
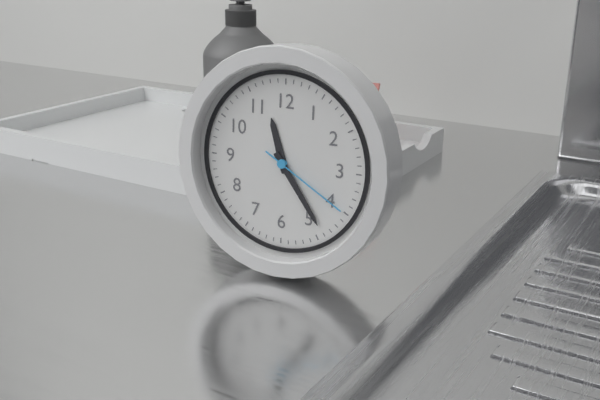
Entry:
**11:24:20**
